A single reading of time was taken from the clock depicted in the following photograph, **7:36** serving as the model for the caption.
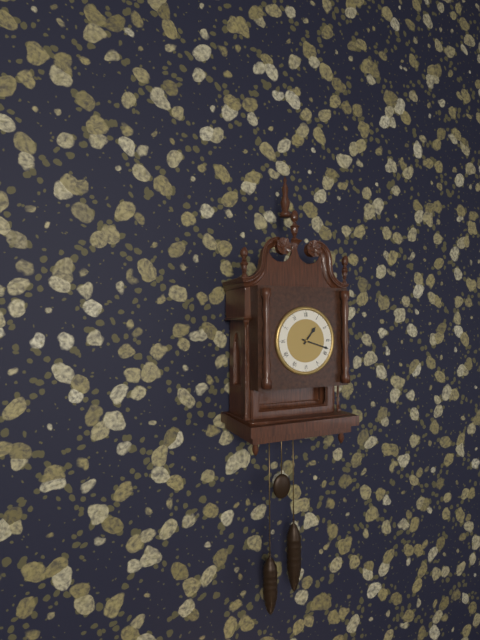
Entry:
**1:18**
